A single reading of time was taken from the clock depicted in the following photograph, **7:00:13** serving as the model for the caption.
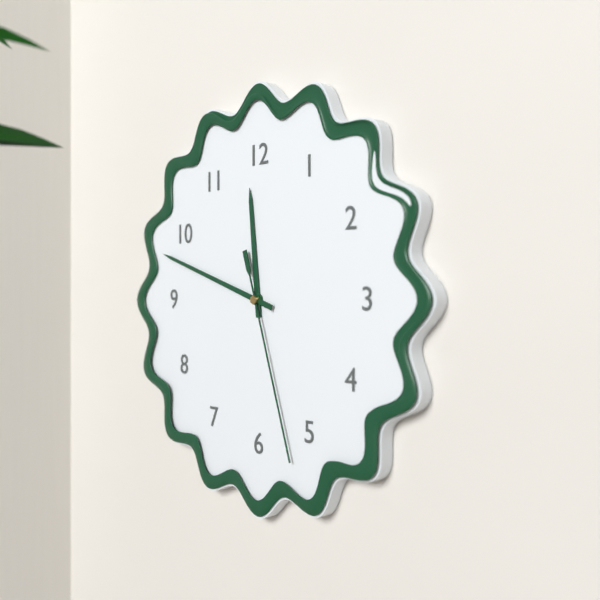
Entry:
**11:48:27**
